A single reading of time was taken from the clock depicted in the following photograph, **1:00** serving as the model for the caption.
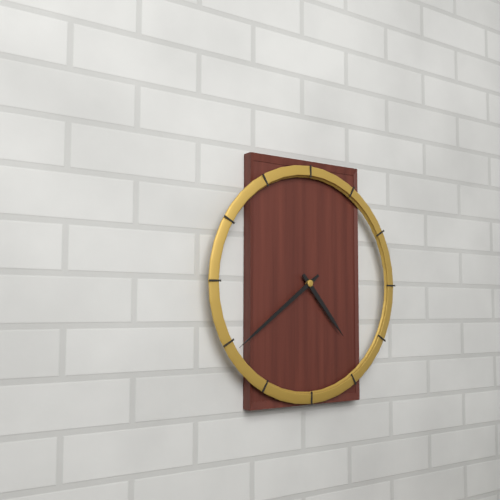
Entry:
**4:39**
